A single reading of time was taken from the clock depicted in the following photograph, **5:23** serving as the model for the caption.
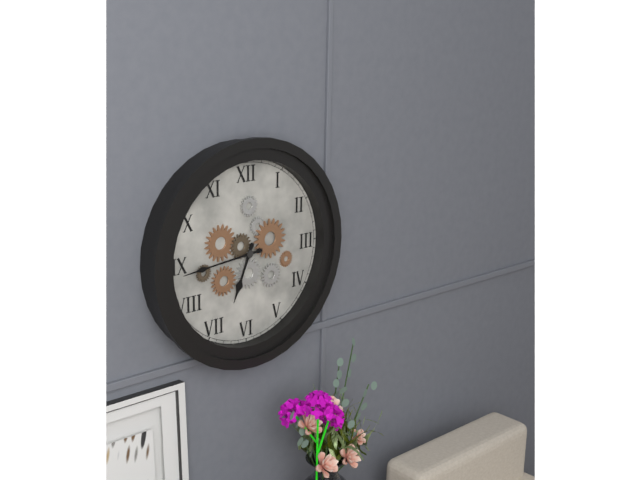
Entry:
**6:44**
